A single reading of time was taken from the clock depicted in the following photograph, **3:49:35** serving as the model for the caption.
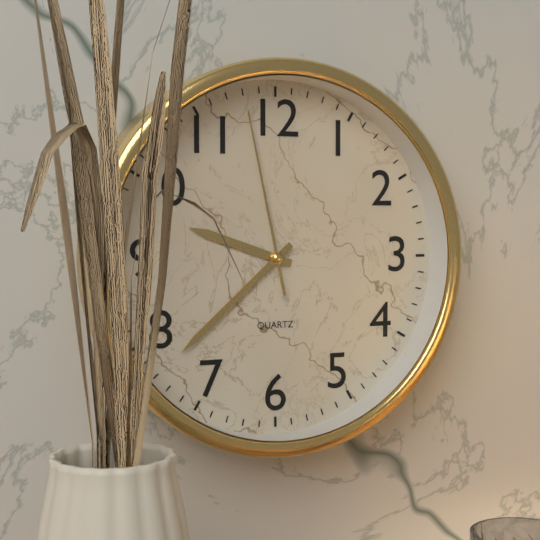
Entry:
**9:38:58**
